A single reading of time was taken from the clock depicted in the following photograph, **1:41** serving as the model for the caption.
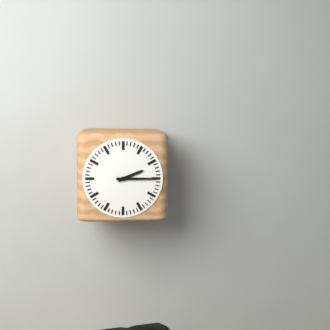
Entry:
**2:15**
